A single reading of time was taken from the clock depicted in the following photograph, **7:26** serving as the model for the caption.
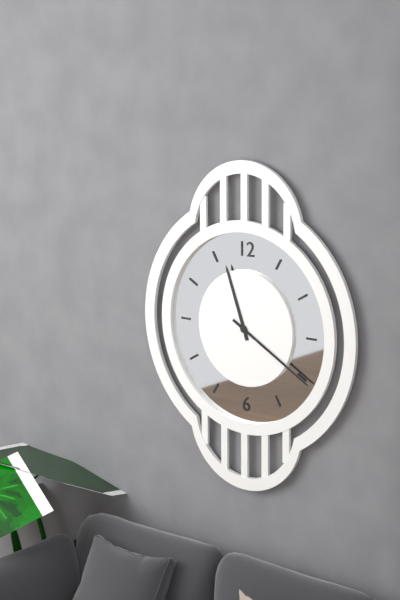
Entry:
**11:20**
